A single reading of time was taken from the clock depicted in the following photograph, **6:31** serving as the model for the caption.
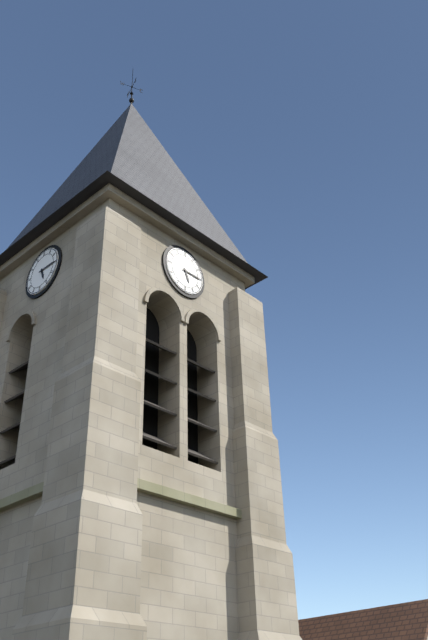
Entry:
**5:15**
